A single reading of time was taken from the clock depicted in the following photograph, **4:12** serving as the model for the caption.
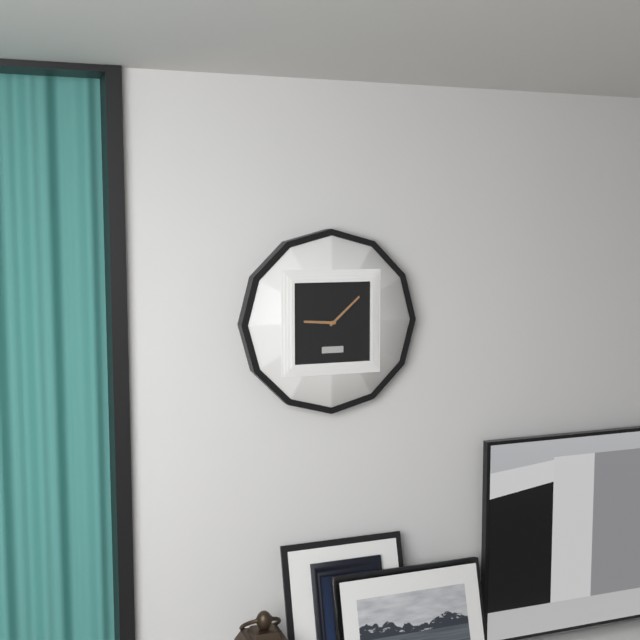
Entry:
**9:08**
